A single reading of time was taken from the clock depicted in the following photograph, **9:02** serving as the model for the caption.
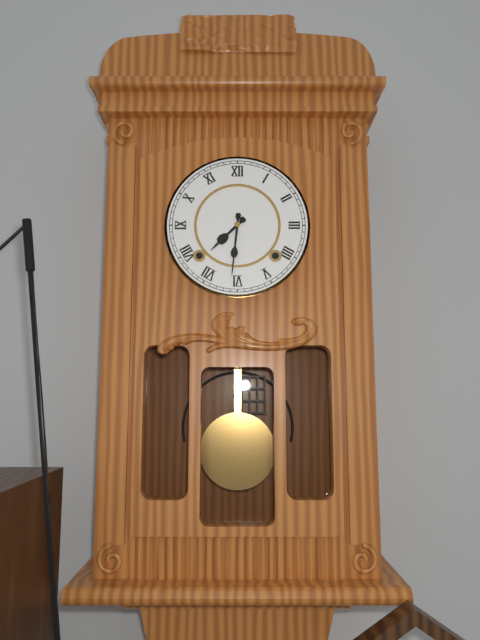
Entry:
**7:31**
